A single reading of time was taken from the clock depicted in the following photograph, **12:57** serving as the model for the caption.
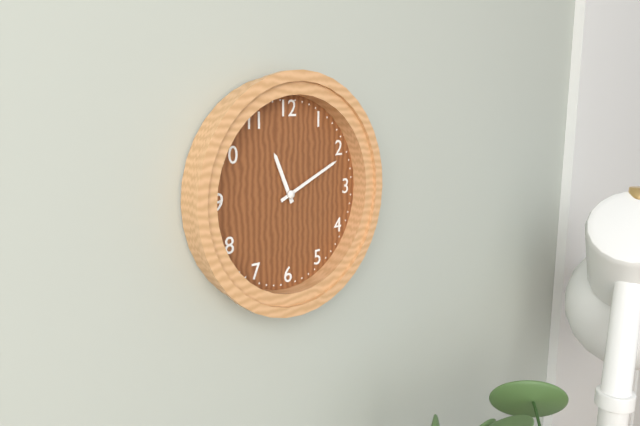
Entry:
**11:11**
